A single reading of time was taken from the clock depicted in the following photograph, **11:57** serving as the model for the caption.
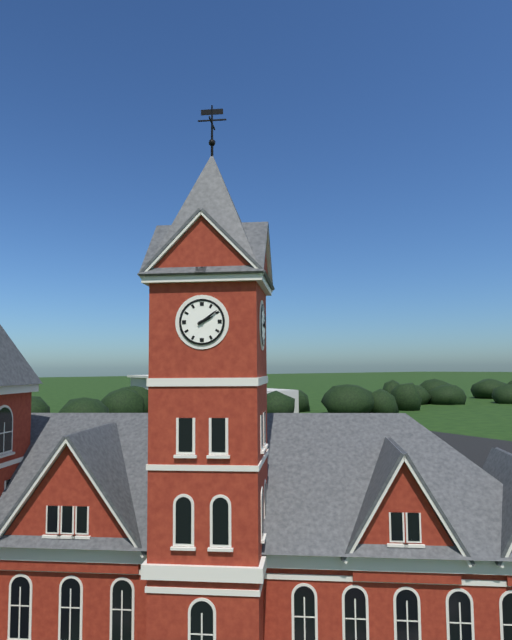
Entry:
**2:09**
